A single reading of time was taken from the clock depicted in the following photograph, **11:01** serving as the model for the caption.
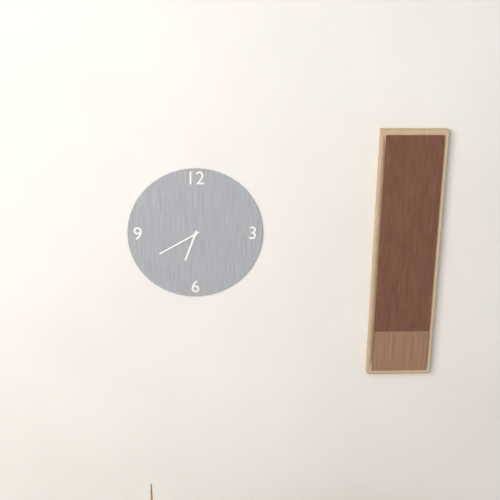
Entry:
**6:40**
